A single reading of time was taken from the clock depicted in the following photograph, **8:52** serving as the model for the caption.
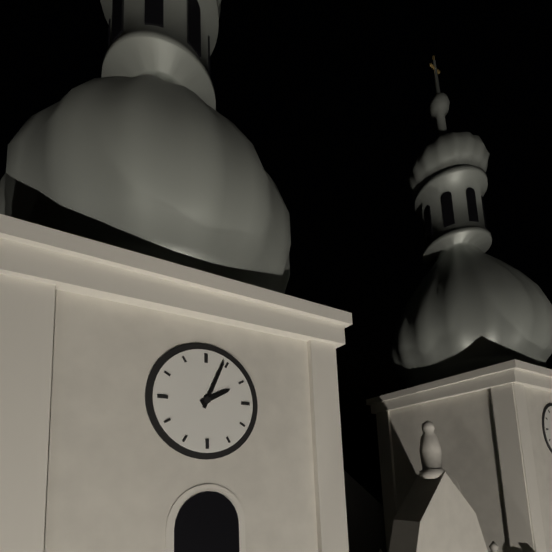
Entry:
**2:04**
